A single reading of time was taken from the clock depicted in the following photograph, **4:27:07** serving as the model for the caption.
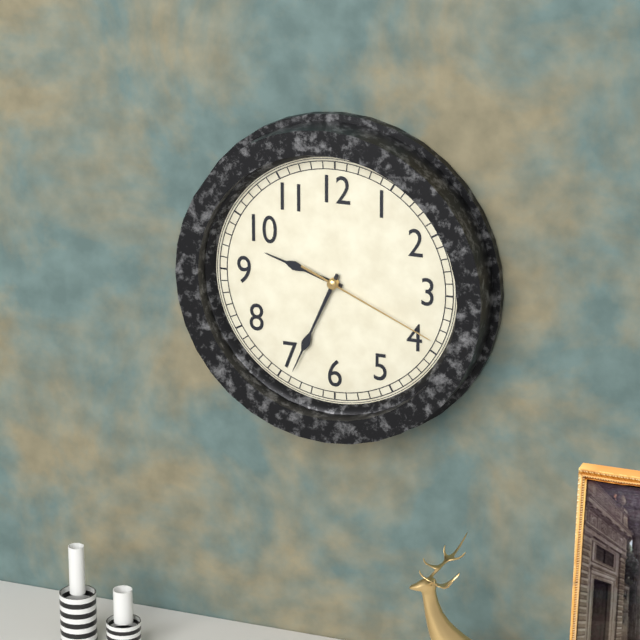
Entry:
**9:34:19**
